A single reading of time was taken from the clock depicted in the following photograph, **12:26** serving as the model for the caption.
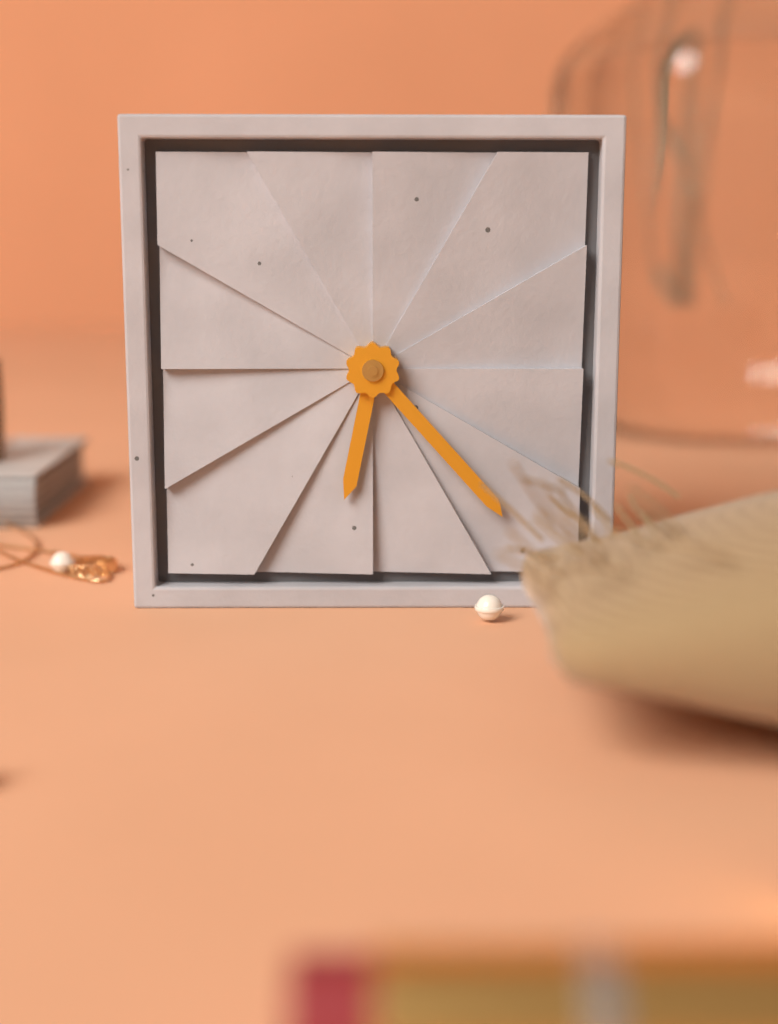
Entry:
**6:23**
